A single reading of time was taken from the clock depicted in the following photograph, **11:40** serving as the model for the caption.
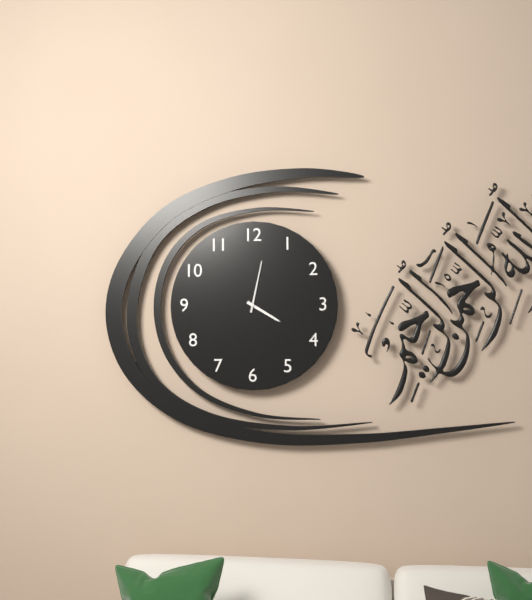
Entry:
**4:02**
